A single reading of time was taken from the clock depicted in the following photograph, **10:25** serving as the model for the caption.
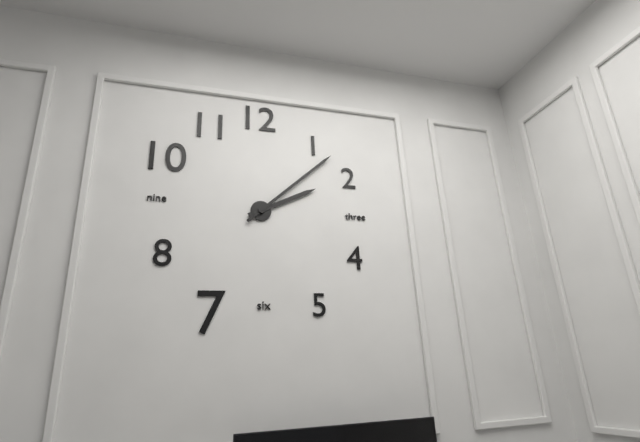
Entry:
**2:08**
